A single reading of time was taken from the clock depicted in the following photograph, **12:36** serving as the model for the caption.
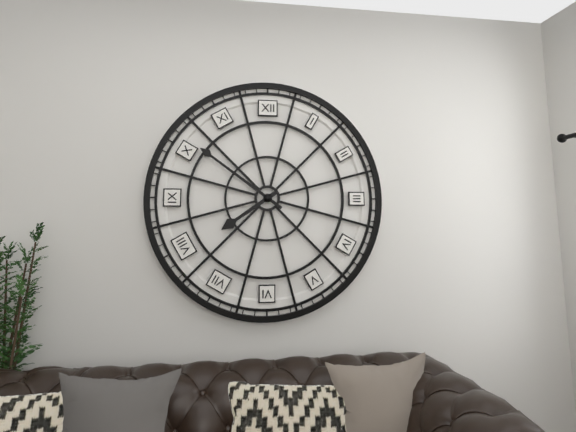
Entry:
**7:51**
